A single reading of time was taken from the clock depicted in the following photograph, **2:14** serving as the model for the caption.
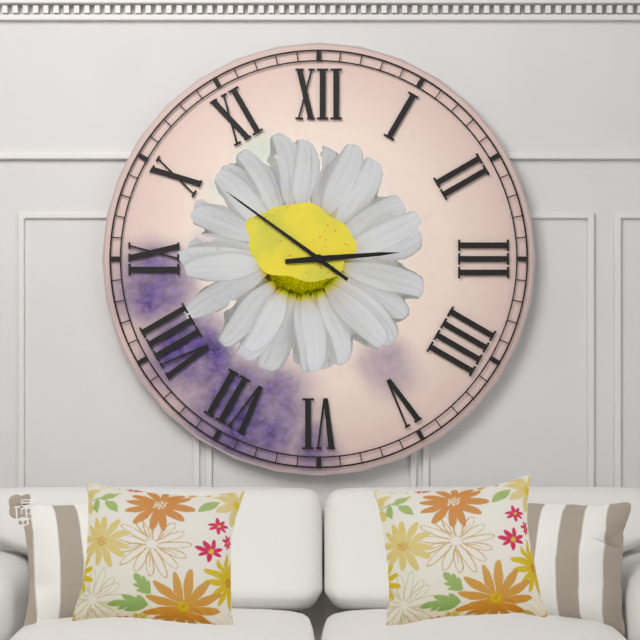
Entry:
**2:51**
